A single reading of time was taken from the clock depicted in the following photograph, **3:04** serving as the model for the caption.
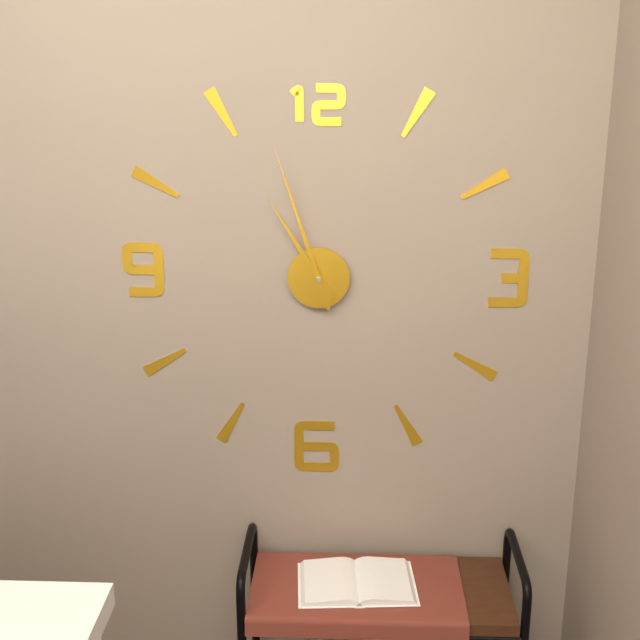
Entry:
**10:57**
